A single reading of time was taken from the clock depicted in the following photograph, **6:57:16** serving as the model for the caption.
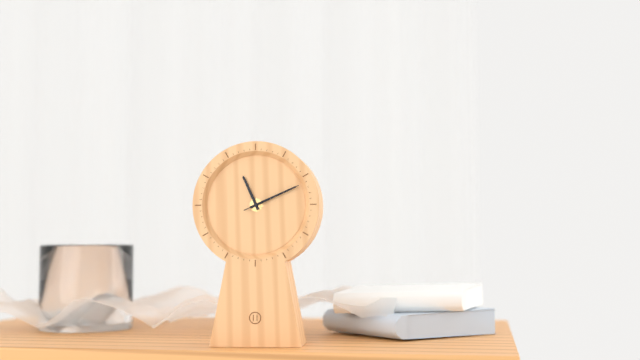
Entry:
**11:11:11**
